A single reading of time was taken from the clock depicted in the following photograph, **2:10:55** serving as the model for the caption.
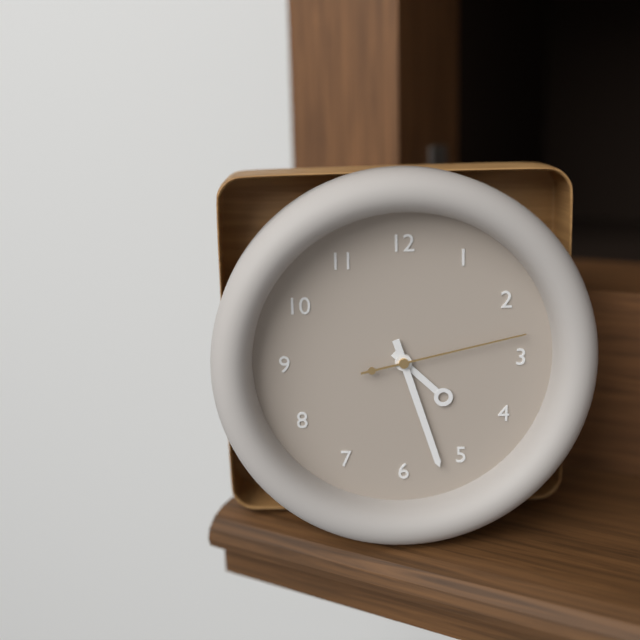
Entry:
**4:27:13**
